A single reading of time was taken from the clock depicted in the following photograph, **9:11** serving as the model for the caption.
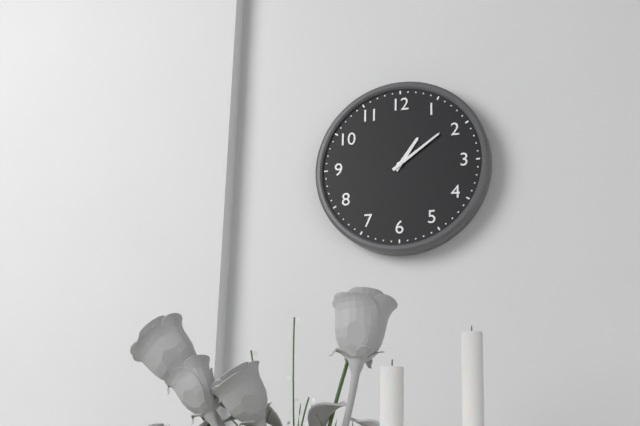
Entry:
**1:09**
